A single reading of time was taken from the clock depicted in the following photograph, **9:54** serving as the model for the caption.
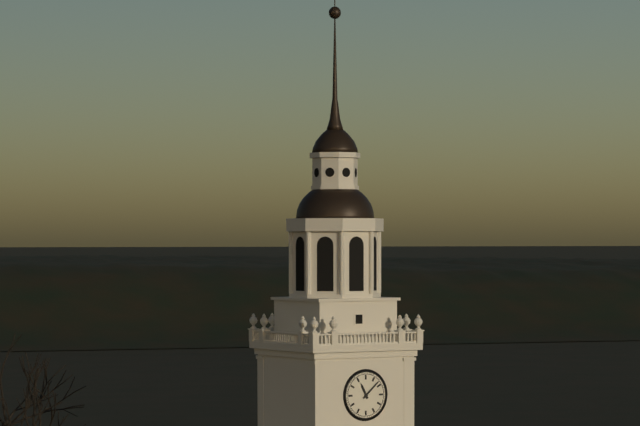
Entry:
**11:08**
